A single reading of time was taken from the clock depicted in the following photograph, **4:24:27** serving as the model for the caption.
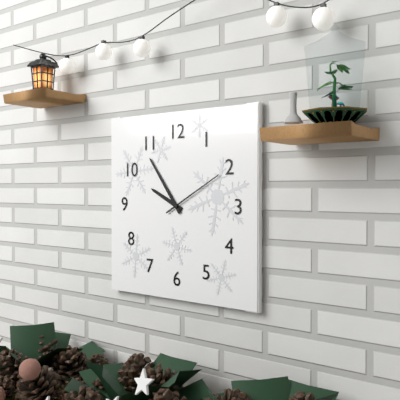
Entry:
**9:54:10**
